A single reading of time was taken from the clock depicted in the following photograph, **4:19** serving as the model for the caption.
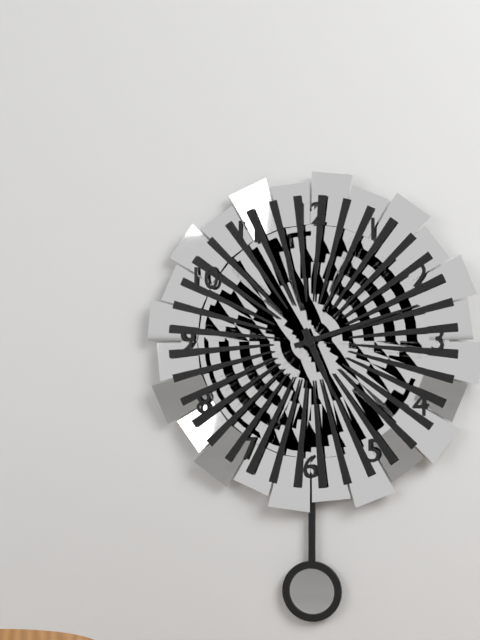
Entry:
**5:12**
